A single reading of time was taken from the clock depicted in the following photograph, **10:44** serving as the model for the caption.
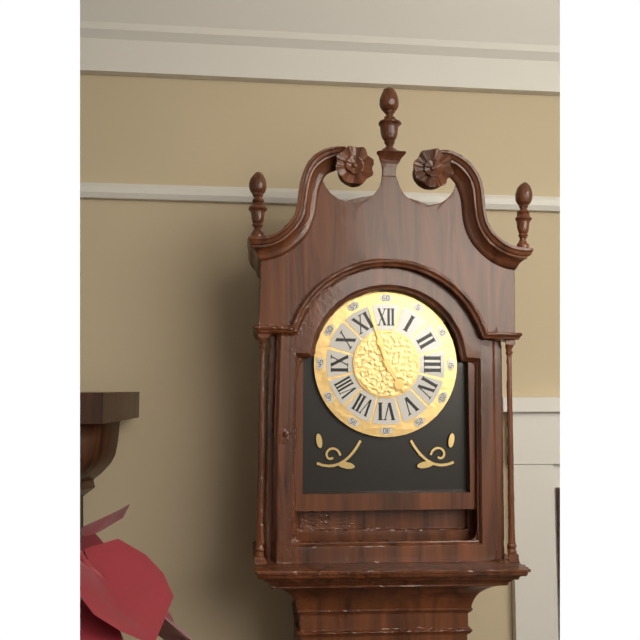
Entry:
**4:57**
